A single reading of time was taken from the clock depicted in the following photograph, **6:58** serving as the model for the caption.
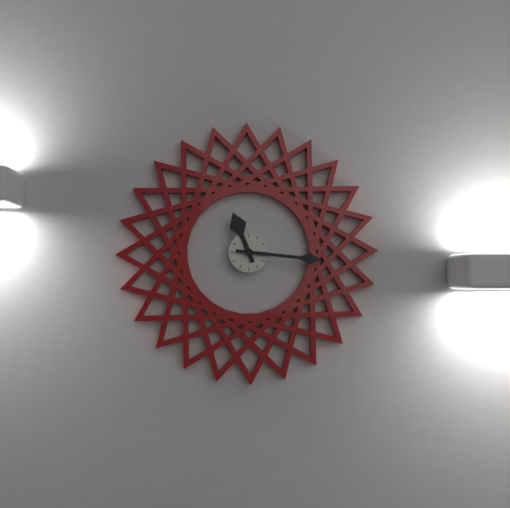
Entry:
**11:16**
